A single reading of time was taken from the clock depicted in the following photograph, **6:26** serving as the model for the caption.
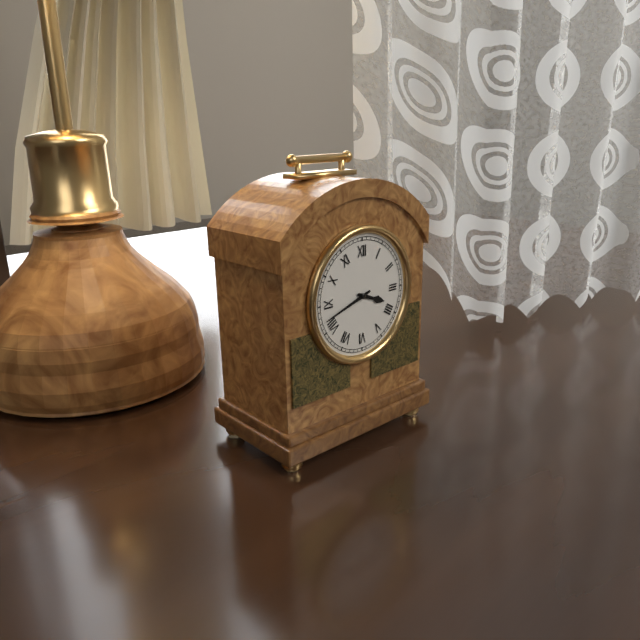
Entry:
**3:42**
